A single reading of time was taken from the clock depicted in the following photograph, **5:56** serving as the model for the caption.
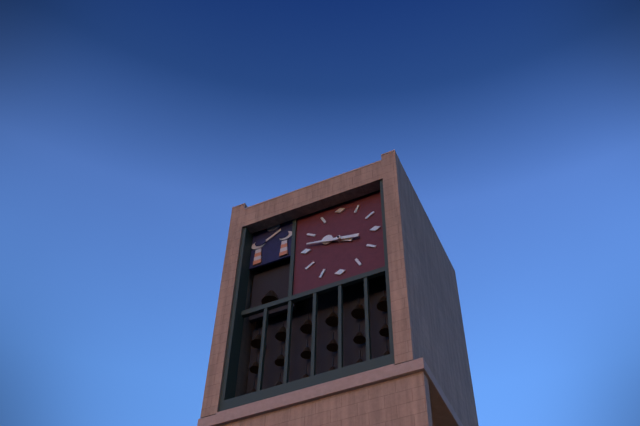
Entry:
**9:47**
